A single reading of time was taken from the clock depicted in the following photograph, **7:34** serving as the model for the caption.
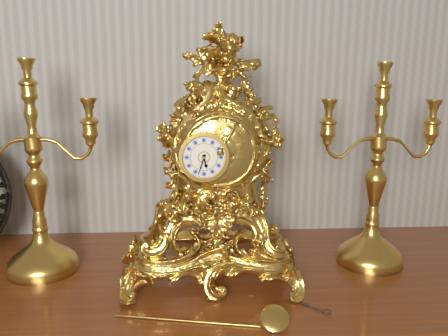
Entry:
**5:33**
